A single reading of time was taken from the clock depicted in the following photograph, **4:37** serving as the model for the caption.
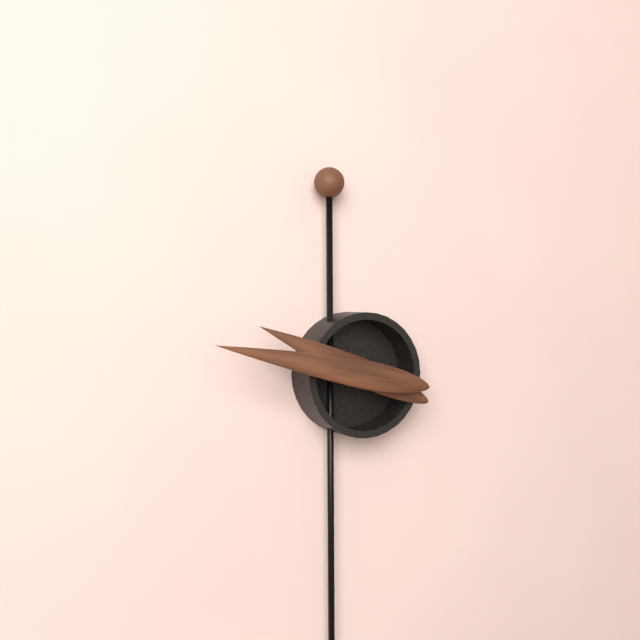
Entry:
**9:47**
